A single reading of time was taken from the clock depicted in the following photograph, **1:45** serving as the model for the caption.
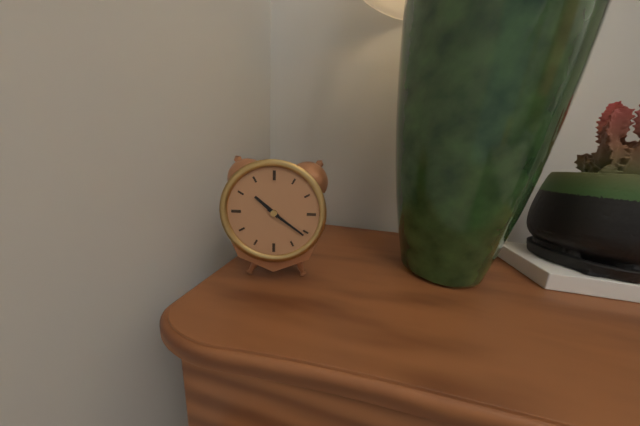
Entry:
**10:21**
